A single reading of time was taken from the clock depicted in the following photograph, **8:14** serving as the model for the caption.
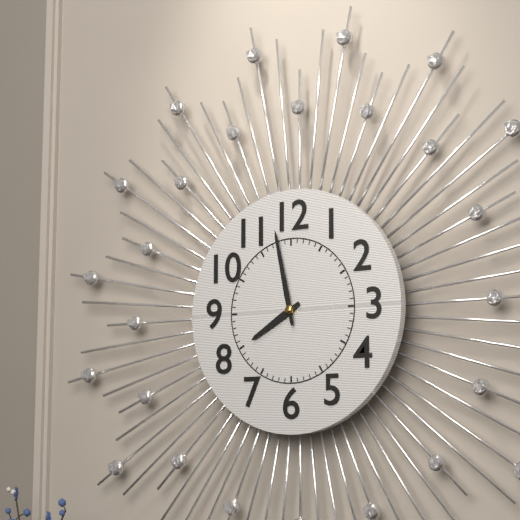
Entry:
**7:58**
